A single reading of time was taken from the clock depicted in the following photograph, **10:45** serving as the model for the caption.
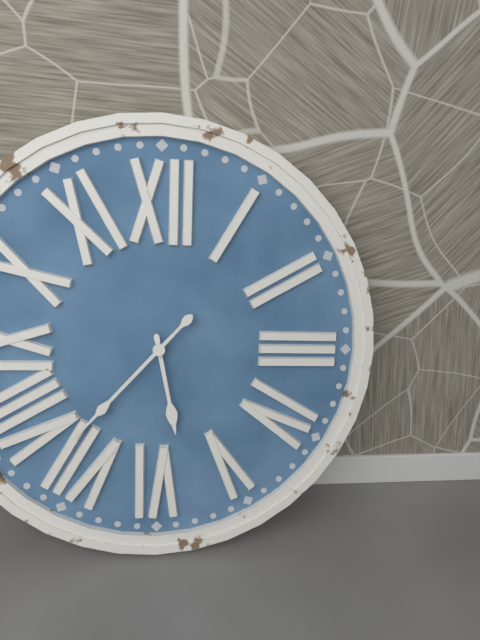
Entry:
**5:37**
